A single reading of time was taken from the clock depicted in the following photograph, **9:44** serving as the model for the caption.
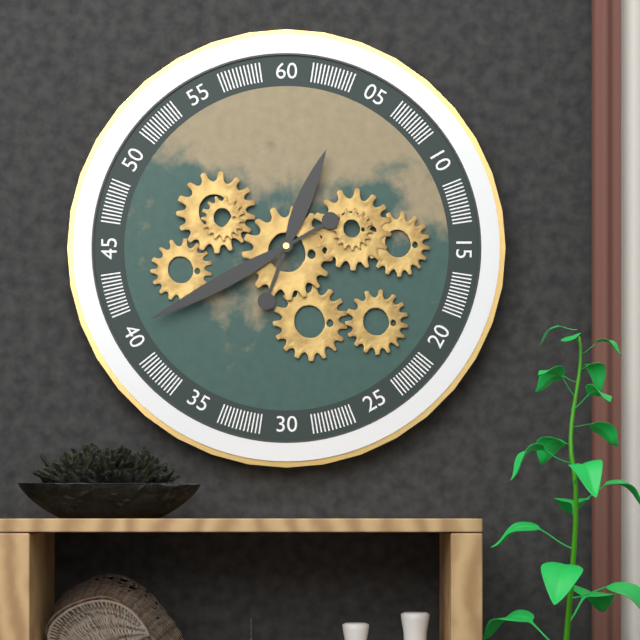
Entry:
**12:40**
